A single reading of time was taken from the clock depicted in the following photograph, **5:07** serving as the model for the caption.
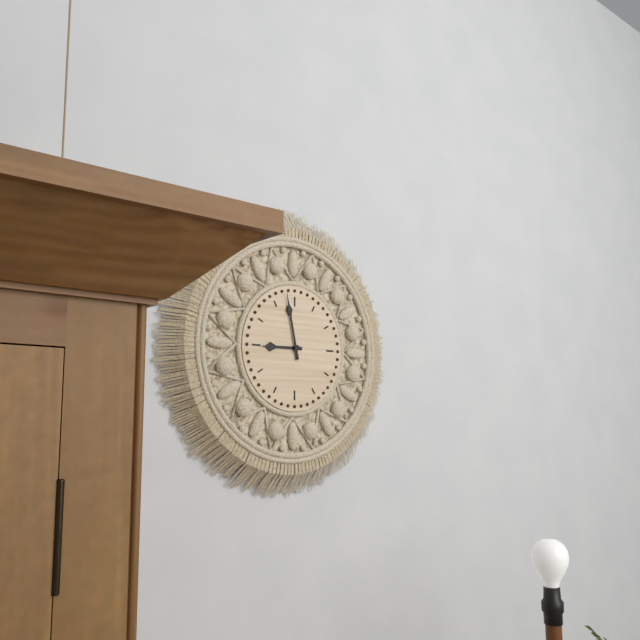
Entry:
**8:58**
